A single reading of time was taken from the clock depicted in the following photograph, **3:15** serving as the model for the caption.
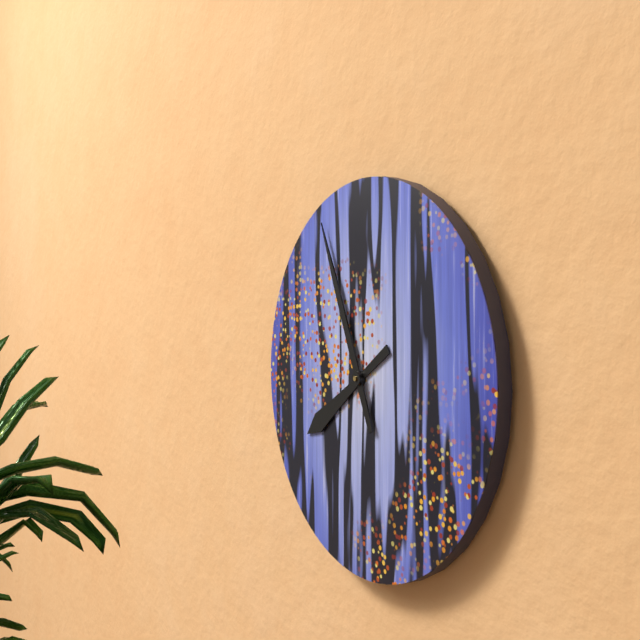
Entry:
**7:56**
